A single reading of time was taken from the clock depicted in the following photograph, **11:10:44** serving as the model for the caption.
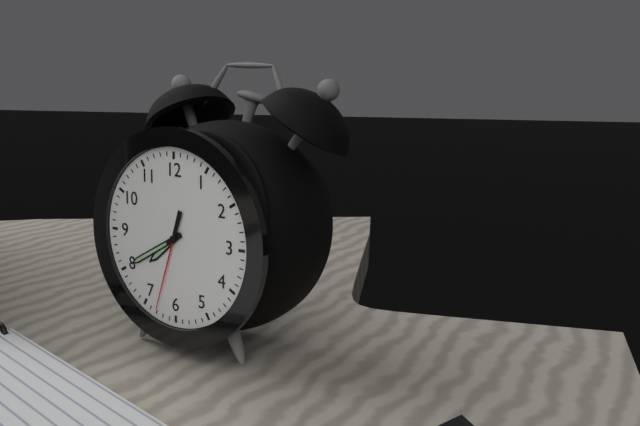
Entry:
**7:40:33**
